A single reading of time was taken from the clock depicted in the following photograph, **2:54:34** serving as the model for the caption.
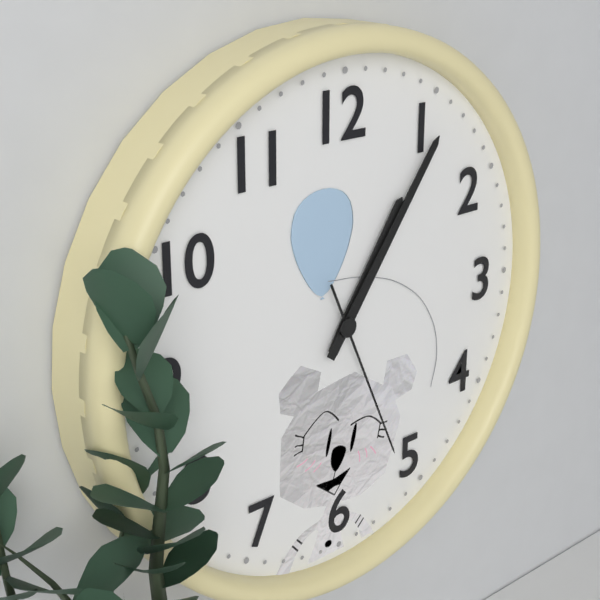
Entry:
**1:06:26**
